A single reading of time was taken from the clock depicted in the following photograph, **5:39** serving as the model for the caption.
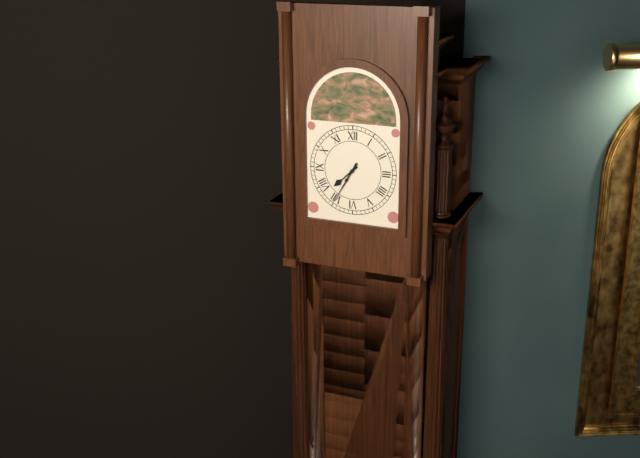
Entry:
**7:35**
